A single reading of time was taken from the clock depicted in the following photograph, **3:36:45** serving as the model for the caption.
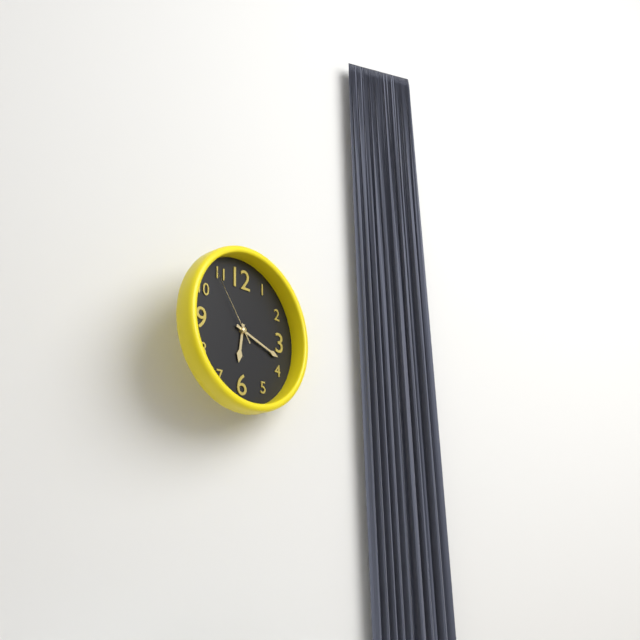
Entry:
**6:18:54**
